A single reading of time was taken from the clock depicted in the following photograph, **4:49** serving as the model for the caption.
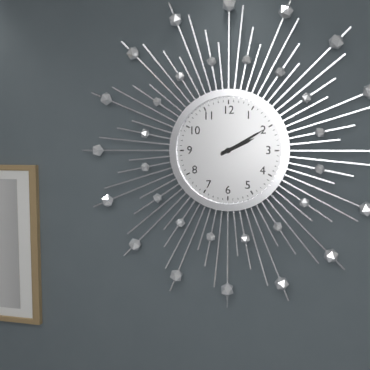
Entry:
**2:10**
